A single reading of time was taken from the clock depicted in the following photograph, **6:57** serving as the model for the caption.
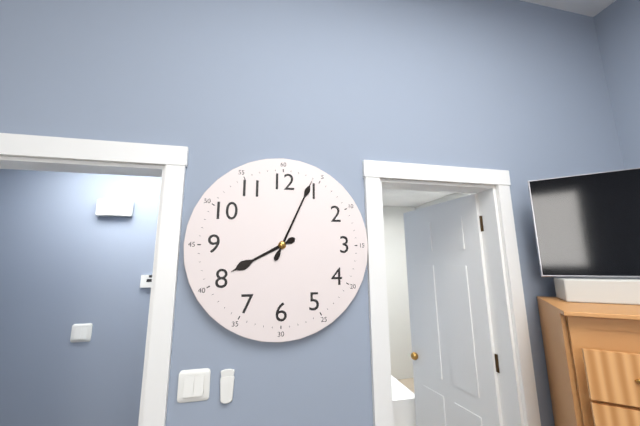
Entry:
**8:04**
